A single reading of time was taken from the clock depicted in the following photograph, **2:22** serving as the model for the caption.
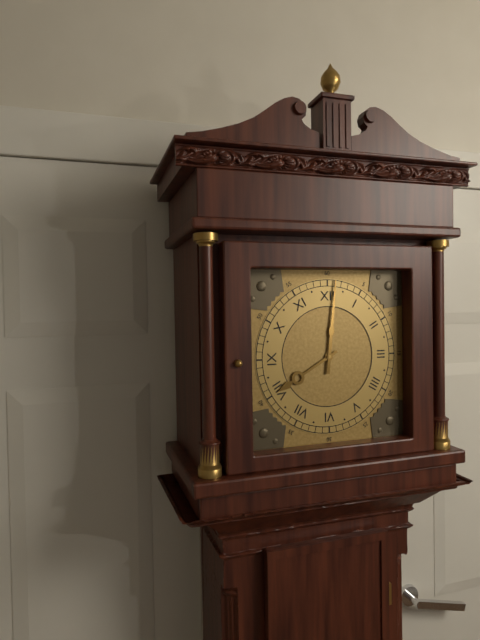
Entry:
**8:01**
